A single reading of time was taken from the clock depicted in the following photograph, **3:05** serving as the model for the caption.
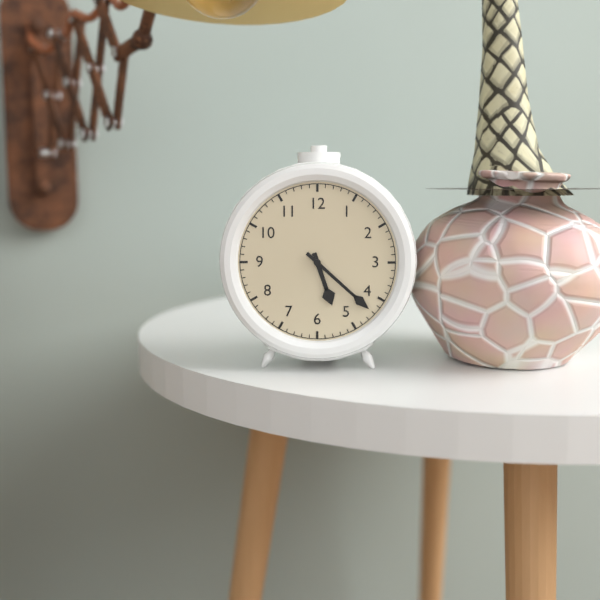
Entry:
**5:22**
